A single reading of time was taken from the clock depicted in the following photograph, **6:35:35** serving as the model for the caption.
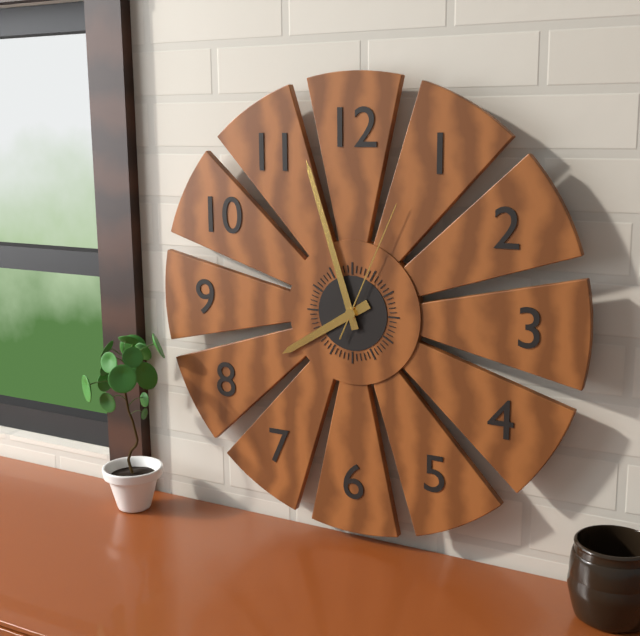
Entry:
**7:57:04**
